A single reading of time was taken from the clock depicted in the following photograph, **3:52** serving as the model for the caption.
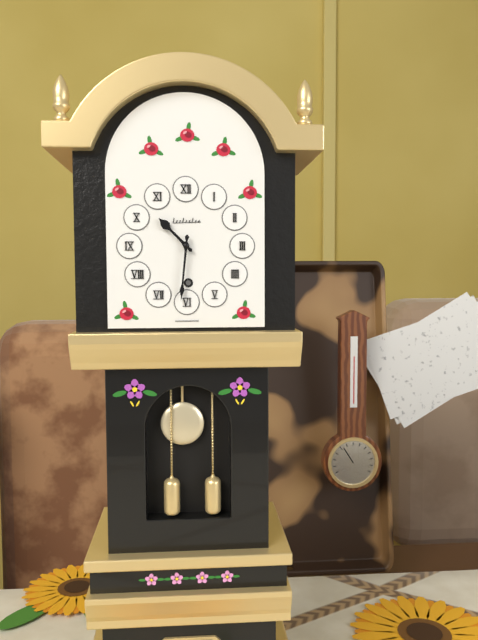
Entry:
**10:31**
